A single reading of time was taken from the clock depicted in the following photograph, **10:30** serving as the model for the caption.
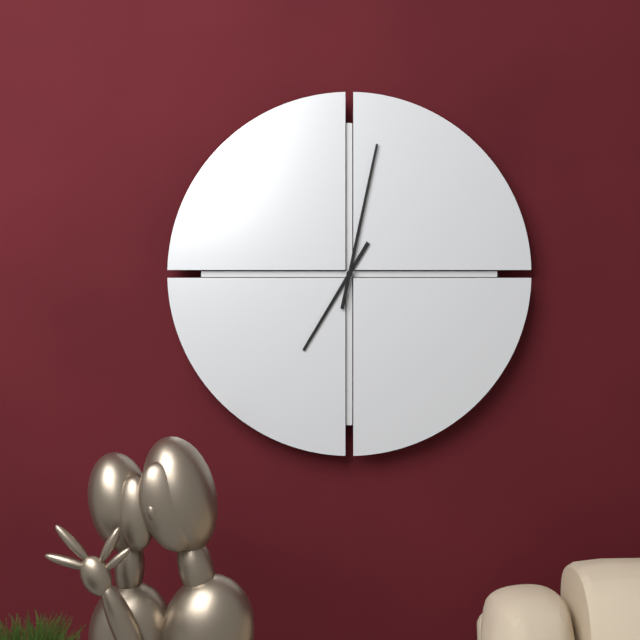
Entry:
**7:02**
